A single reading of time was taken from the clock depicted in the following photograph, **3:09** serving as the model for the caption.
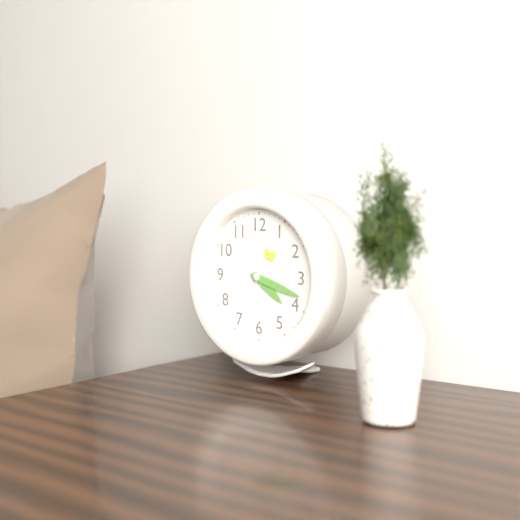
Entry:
**4:18**
